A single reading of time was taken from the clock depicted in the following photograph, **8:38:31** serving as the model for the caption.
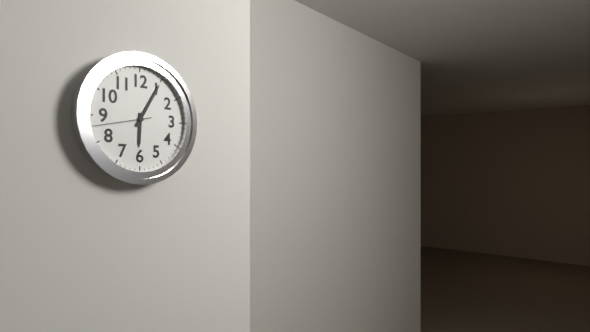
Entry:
**6:05:43**
